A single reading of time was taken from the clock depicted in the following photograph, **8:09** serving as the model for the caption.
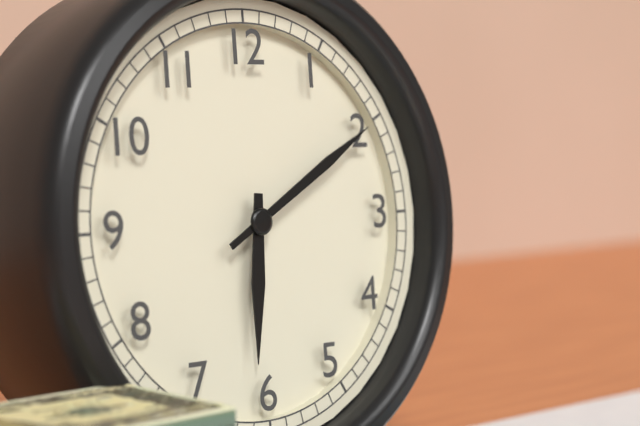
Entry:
**6:10**
